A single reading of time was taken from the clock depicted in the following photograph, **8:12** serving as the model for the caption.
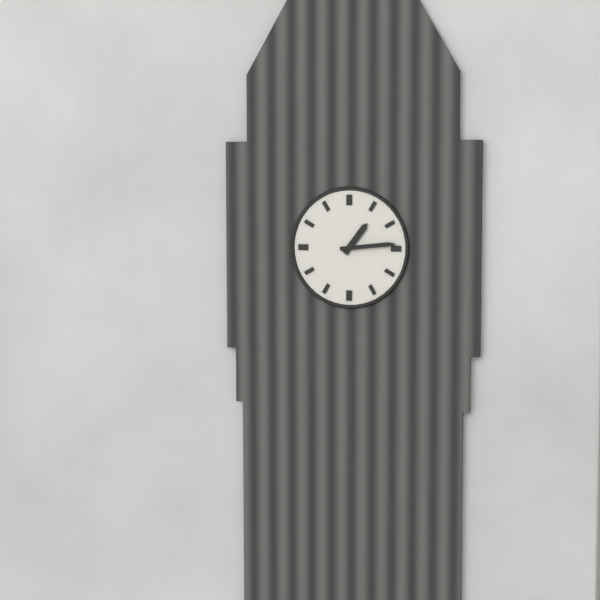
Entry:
**1:14**
